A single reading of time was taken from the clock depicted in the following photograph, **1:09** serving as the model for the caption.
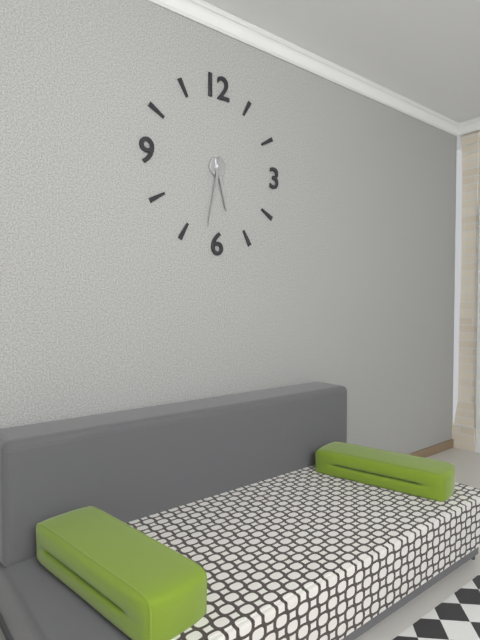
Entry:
**5:32**
